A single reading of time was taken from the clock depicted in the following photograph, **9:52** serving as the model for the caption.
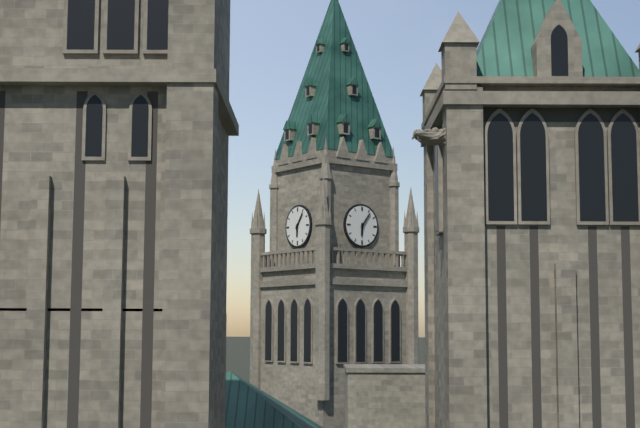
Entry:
**6:06**
